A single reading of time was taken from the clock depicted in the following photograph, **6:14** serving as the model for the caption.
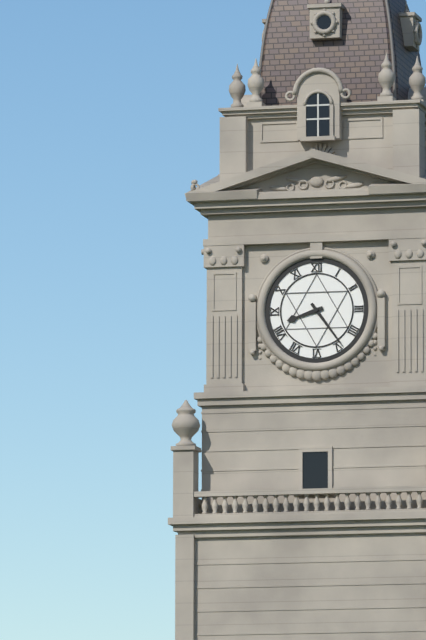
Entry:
**8:24**
